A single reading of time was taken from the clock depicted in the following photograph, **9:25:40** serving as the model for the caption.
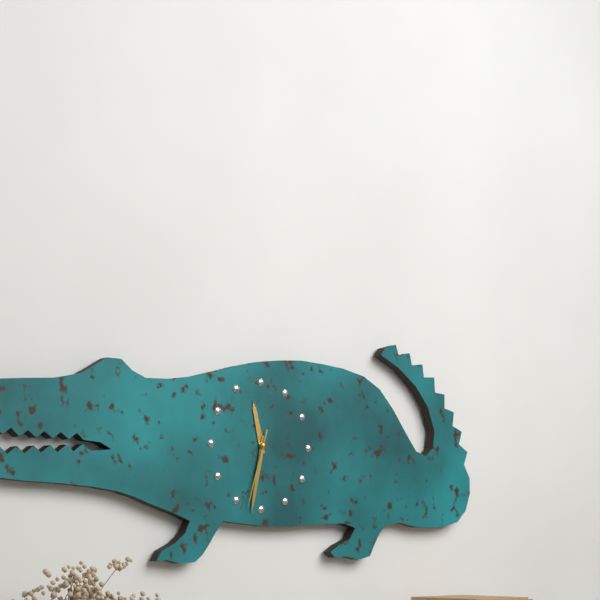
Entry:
**11:32:33**
